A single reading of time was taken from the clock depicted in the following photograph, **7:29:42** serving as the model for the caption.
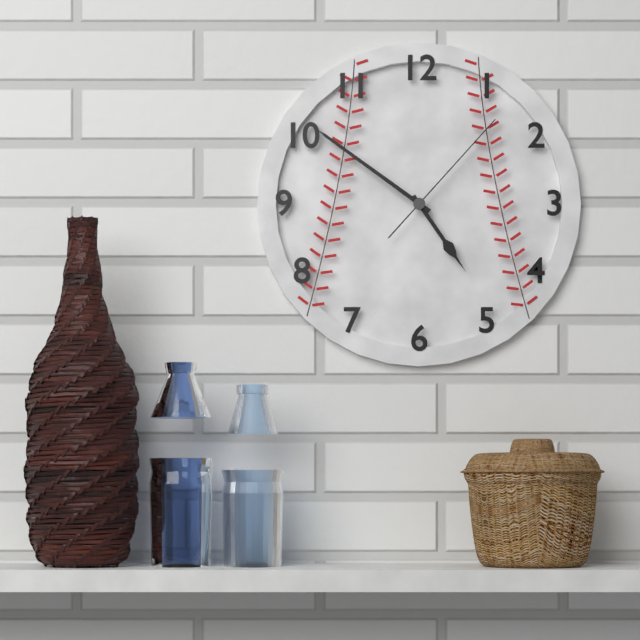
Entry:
**4:51:07**
